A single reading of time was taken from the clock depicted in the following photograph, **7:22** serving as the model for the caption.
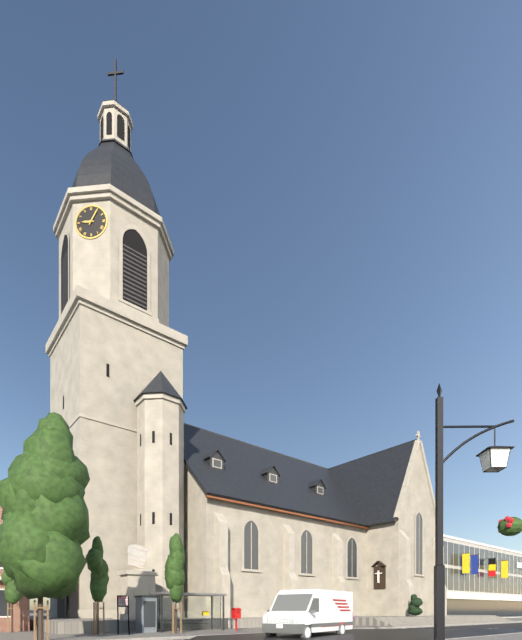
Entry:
**9:05**
